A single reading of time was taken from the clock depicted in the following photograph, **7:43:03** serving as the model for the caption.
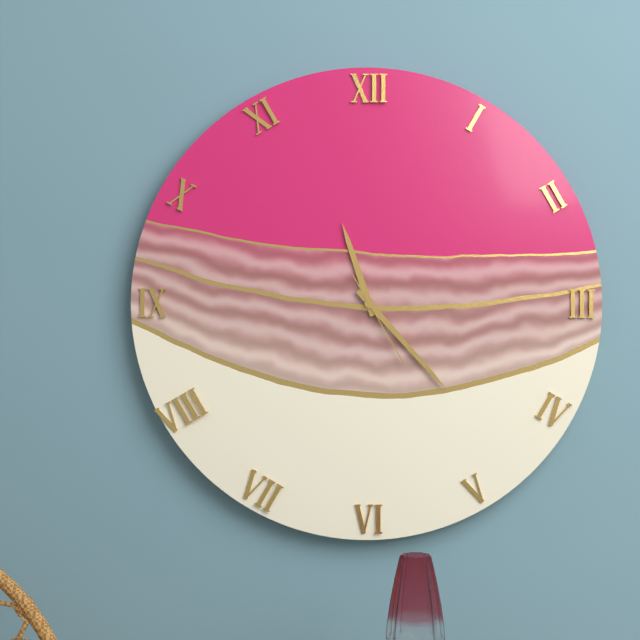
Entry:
**11:23:25**
